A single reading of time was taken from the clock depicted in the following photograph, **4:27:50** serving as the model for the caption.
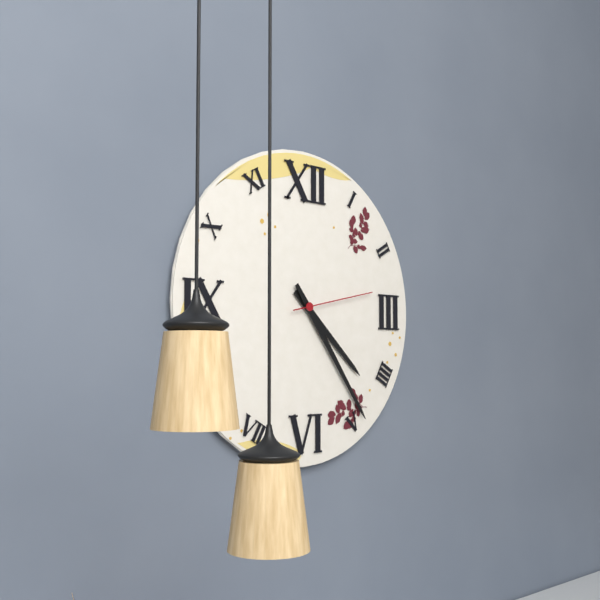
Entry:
**4:24:13**
